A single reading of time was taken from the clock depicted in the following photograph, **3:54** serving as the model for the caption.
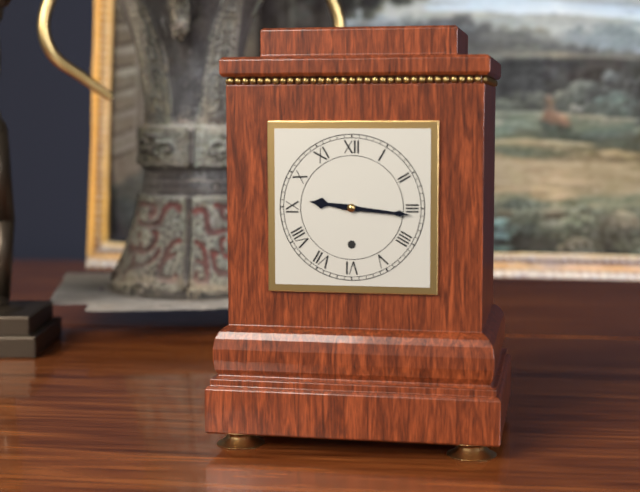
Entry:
**9:16**
